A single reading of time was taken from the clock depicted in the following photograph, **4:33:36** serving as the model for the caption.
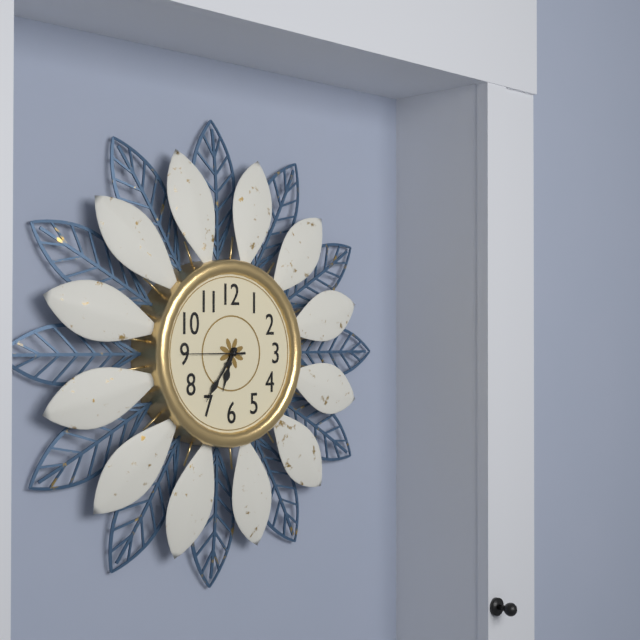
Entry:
**6:36:45**
